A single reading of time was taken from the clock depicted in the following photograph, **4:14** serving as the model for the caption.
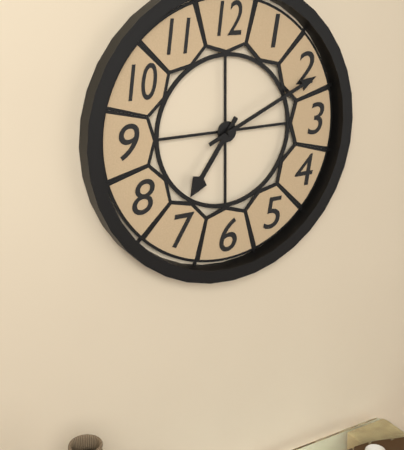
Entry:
**7:11**
